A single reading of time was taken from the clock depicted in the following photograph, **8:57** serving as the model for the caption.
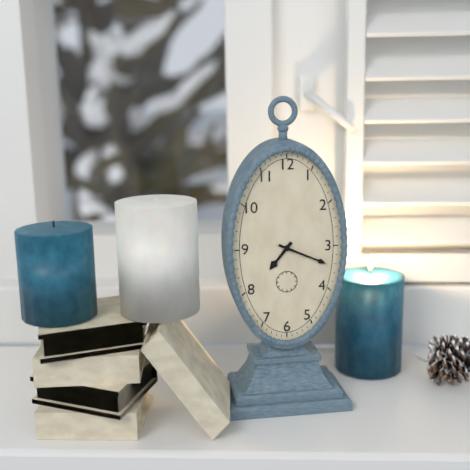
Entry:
**7:19**
